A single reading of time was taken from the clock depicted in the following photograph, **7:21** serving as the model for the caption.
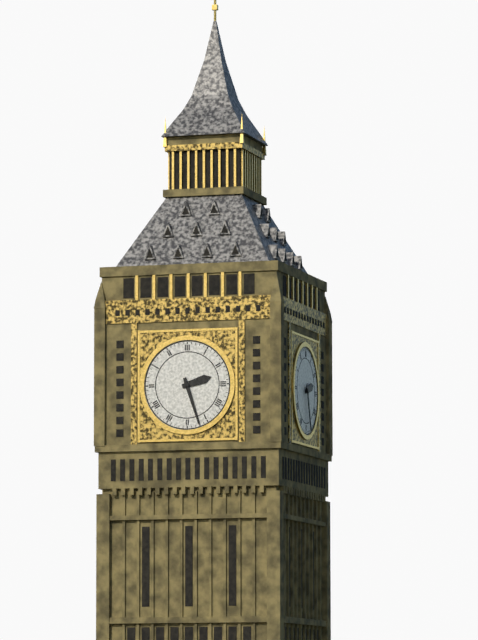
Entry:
**2:27**
